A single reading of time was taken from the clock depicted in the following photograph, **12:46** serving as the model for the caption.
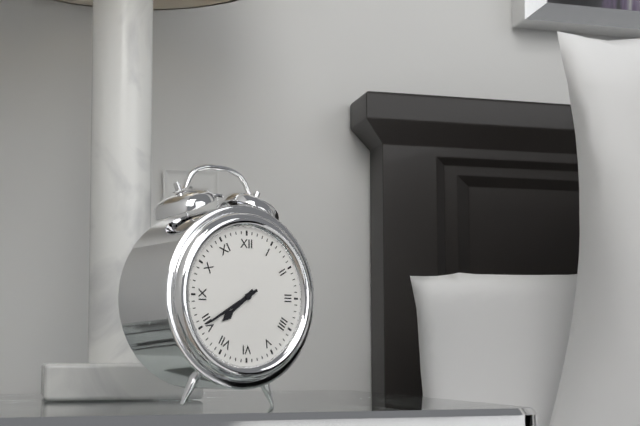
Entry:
**7:40**
